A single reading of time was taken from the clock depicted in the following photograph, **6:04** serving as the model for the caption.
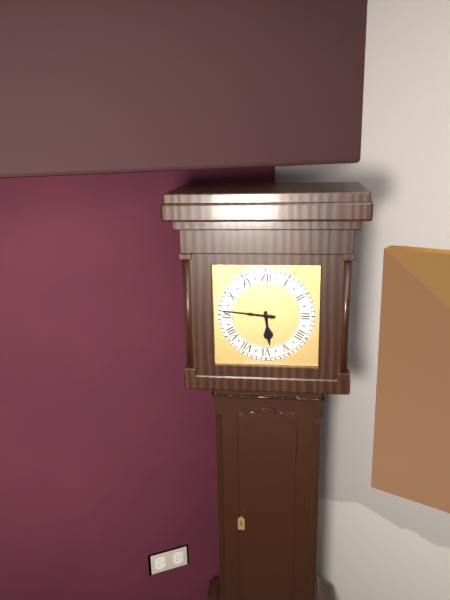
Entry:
**5:46**
